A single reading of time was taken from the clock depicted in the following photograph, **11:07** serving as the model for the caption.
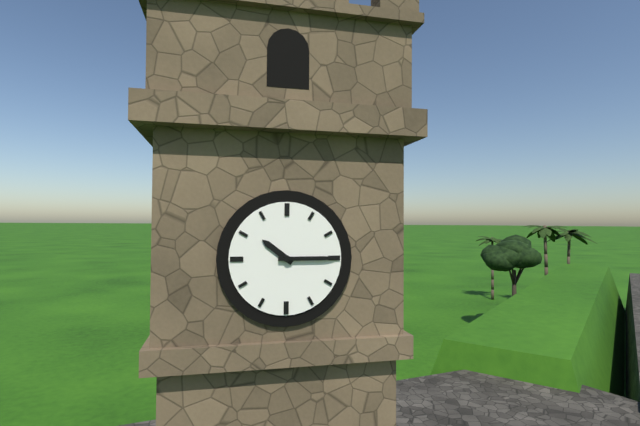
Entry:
**10:15**
